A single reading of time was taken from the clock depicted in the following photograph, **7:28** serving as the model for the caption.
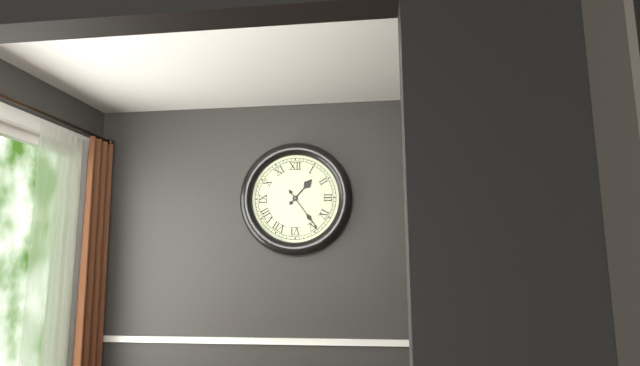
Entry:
**1:24**
